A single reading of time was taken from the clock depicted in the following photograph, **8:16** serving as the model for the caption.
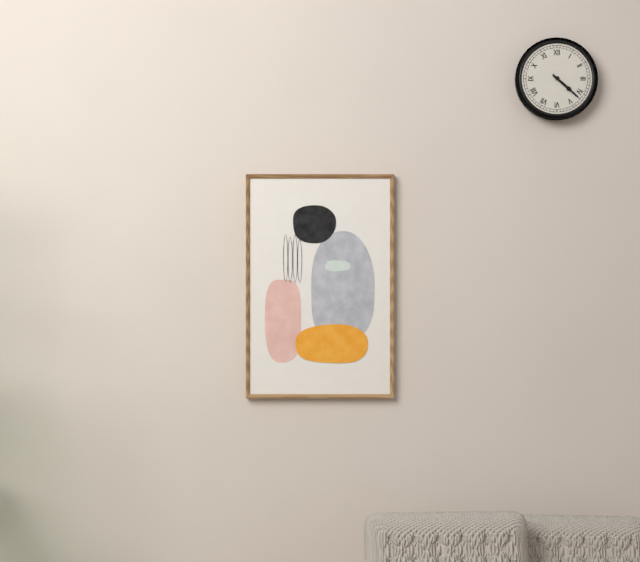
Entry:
**4:22**
